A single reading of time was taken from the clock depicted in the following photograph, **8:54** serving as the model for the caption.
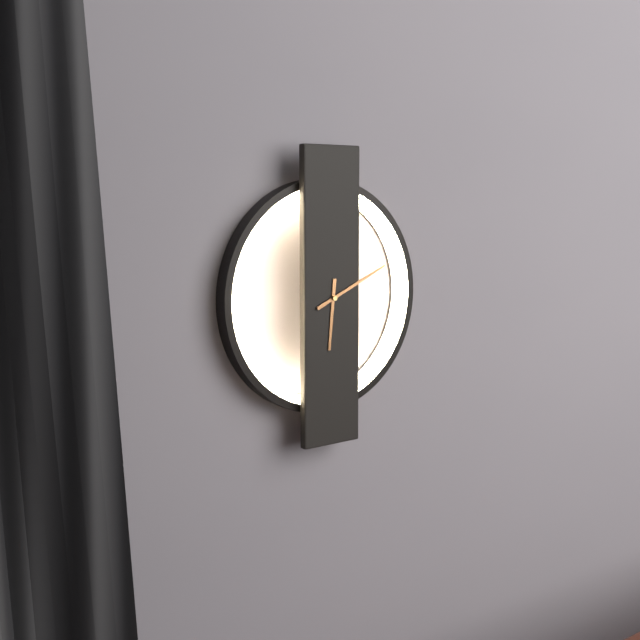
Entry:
**6:11**
